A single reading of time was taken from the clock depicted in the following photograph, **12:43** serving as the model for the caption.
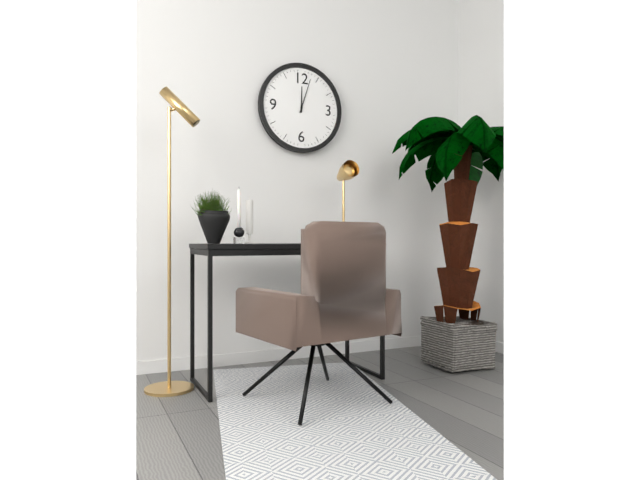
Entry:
**12:03**
